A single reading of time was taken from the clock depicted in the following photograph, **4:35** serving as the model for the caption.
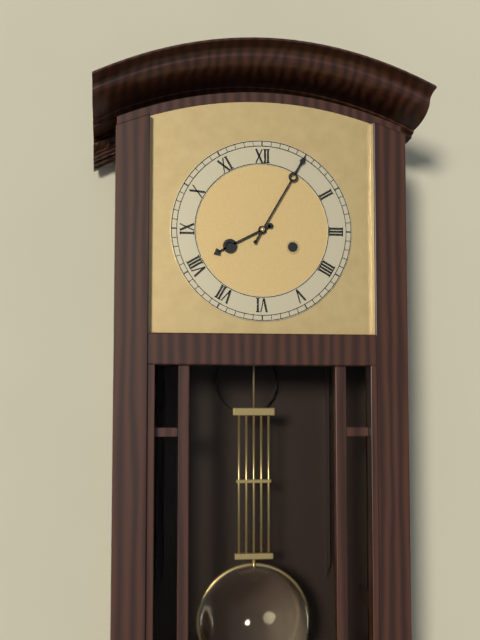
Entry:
**8:05**
